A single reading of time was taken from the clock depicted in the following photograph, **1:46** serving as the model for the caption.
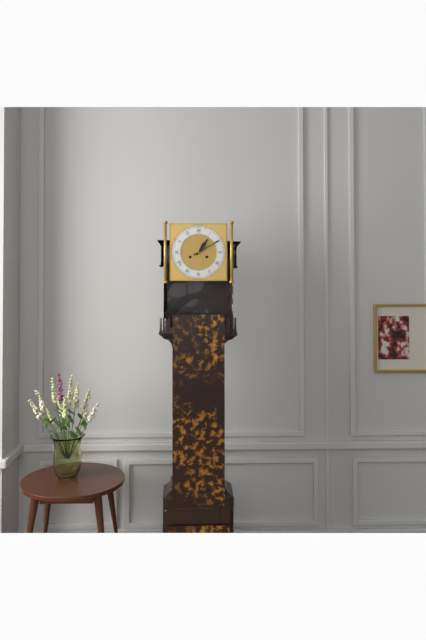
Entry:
**1:10**
